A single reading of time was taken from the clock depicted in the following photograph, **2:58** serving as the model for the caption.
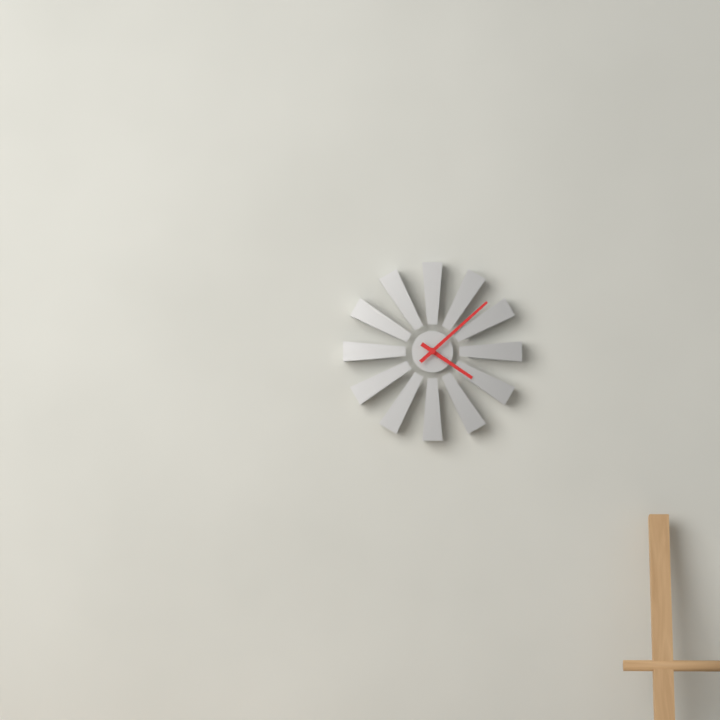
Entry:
**4:08**
